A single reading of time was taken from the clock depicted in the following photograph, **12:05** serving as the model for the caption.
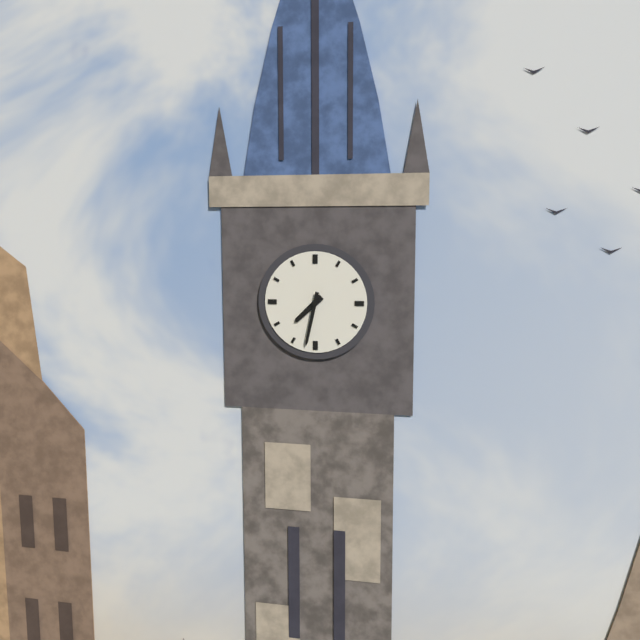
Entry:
**7:32**
